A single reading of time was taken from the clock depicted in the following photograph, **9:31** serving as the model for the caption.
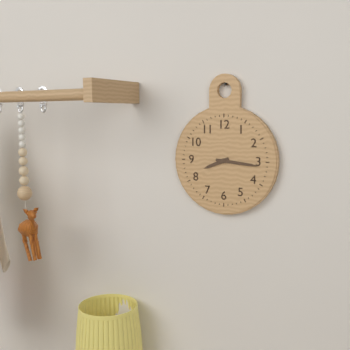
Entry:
**8:16**
